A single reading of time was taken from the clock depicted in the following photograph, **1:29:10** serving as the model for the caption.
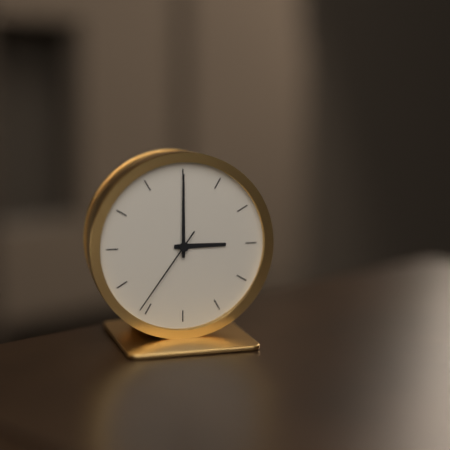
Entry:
**3:00:36**
